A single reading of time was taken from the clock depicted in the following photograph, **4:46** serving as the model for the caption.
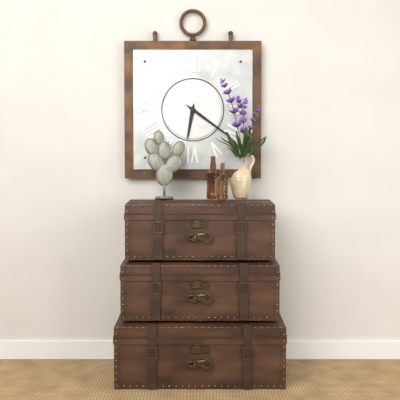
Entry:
**6:21**
